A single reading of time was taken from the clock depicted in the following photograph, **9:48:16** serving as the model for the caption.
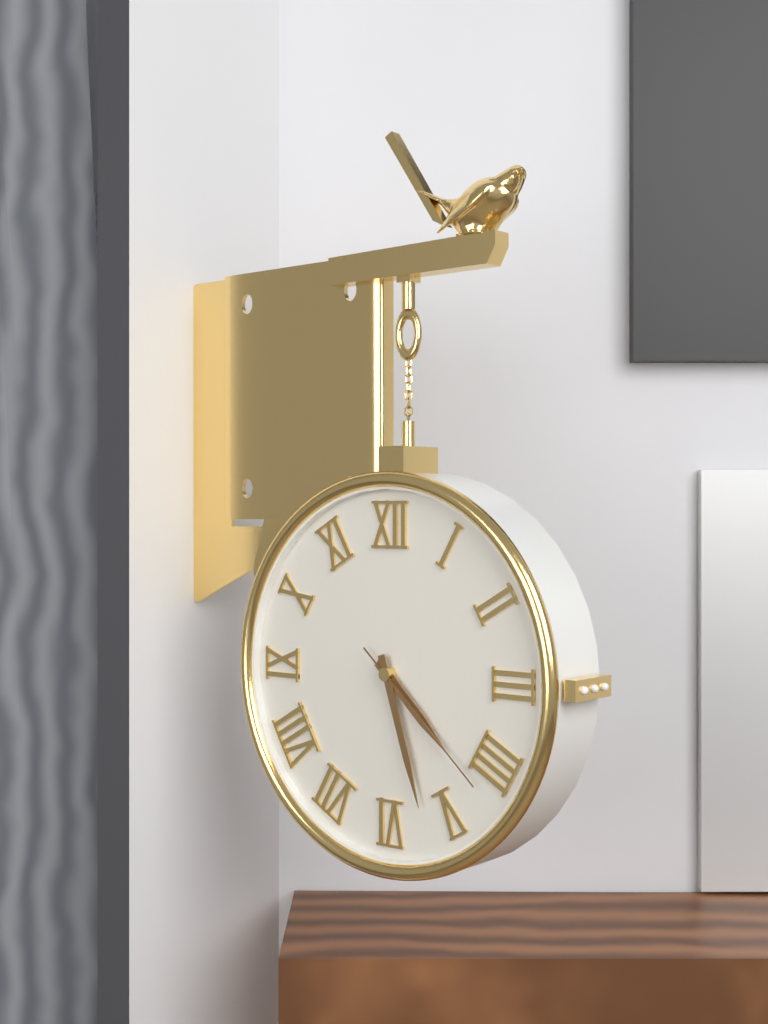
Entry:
**4:27:22**
